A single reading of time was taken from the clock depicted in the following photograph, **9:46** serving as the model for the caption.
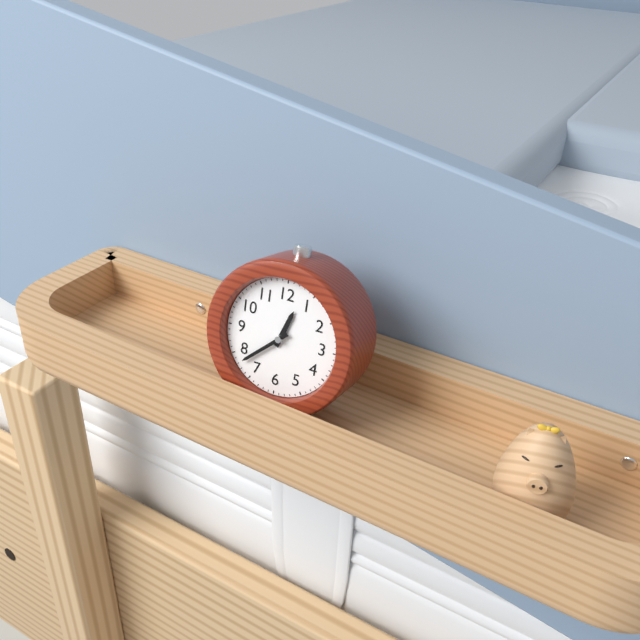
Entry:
**12:38**
